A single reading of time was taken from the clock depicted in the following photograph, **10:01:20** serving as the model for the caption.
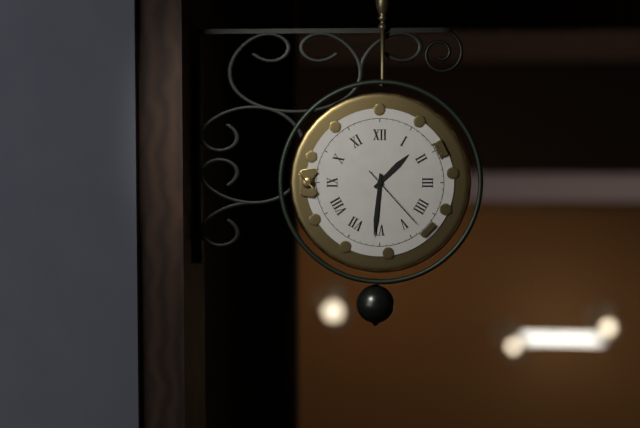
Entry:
**1:31:23**
